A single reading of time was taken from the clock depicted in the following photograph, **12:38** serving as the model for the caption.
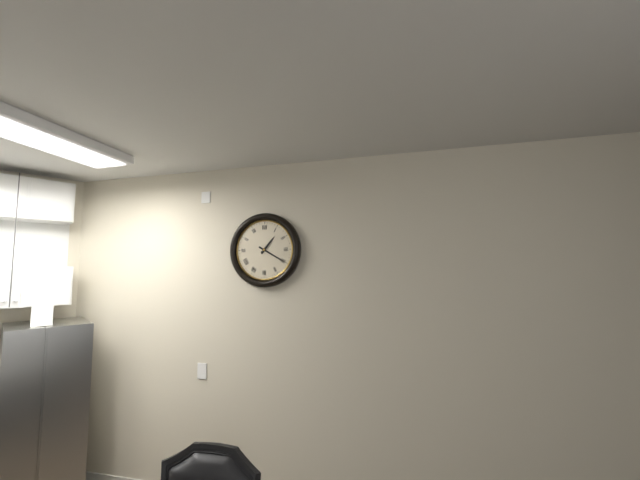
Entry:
**1:20**
